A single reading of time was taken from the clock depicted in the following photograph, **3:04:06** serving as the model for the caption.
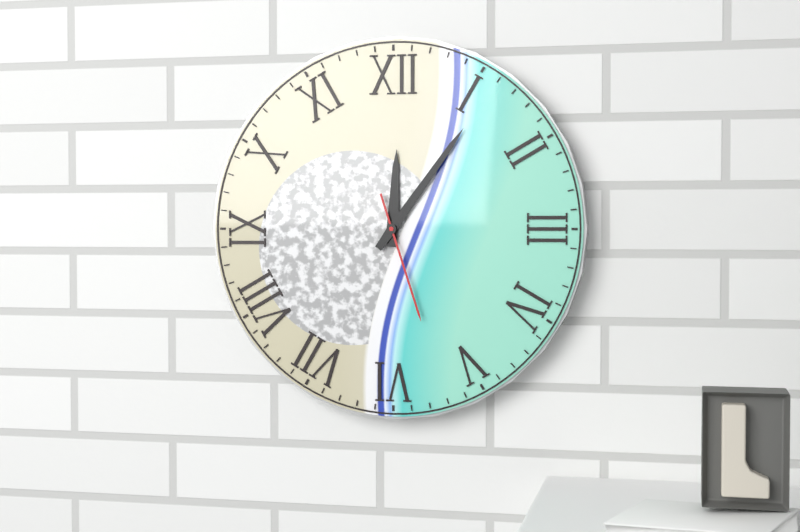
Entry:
**12:06:27**
